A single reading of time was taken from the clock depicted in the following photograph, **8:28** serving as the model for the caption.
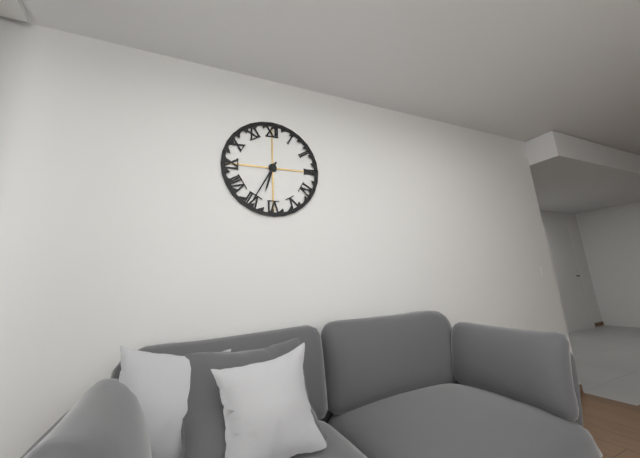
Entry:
**6:35**
